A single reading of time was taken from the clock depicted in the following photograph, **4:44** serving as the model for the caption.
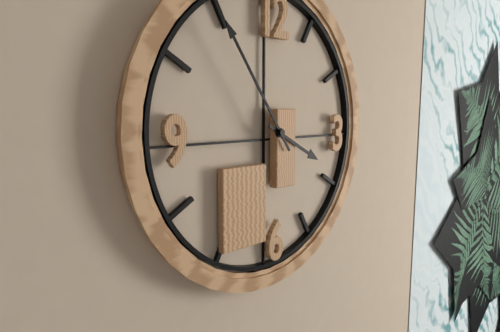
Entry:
**3:54**
